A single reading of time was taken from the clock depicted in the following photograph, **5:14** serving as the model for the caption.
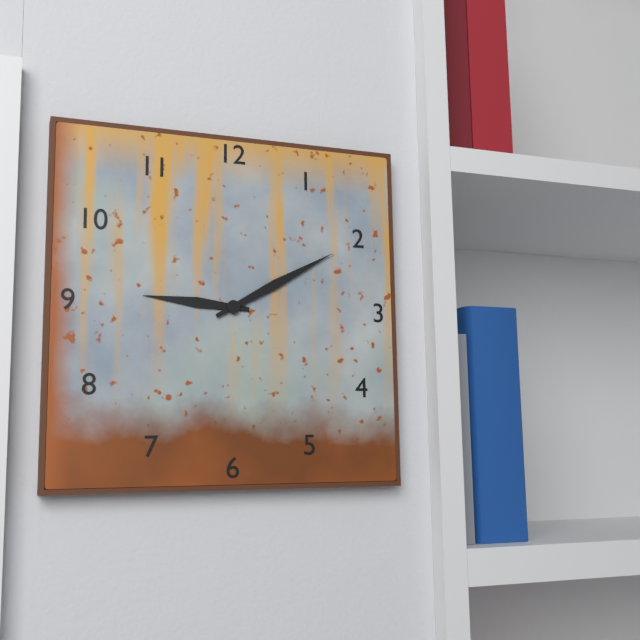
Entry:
**9:10**
